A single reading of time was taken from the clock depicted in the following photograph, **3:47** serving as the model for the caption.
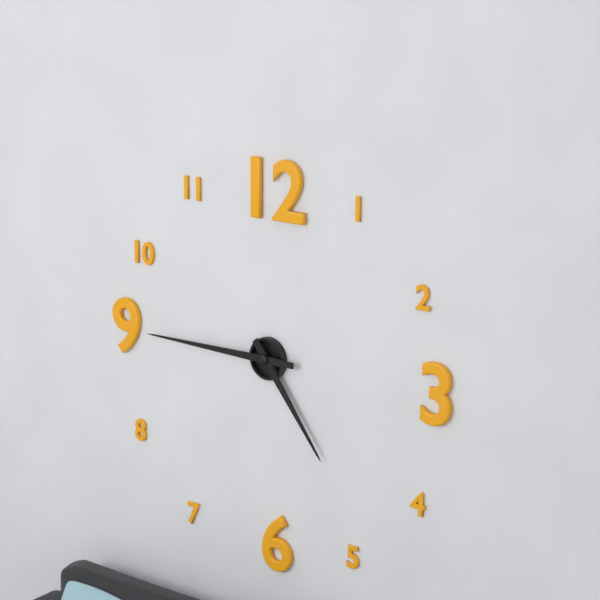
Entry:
**4:45**
